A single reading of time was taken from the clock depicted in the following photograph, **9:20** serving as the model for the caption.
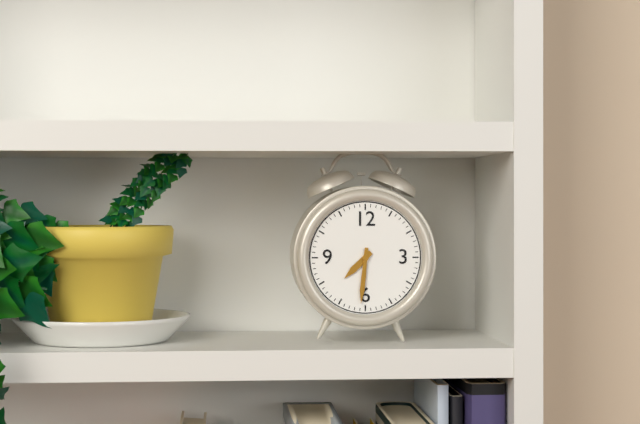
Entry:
**7:31**
